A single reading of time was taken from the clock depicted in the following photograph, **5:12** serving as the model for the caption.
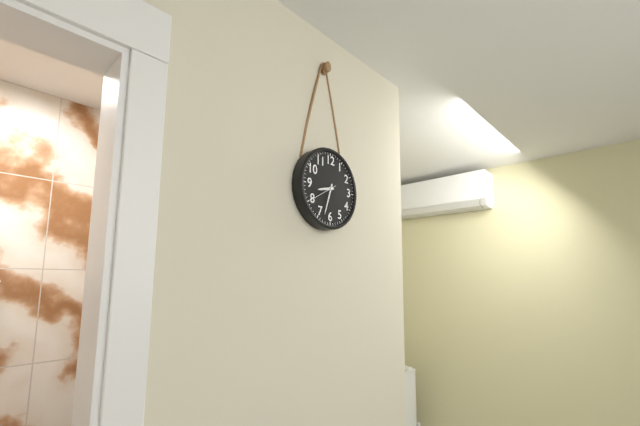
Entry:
**8:33**
